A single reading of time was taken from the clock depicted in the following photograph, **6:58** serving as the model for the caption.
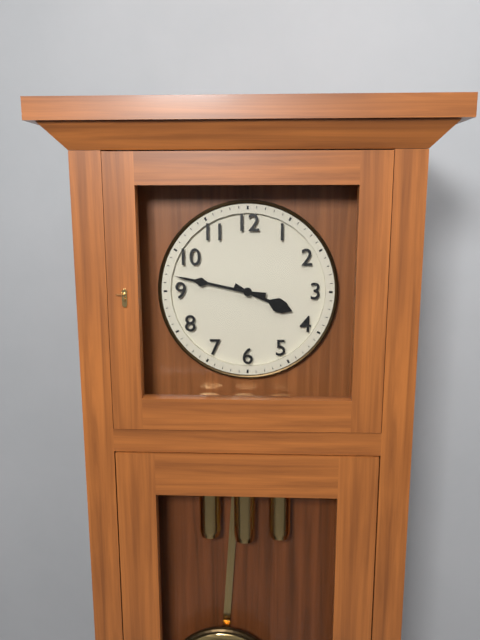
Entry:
**3:47**
